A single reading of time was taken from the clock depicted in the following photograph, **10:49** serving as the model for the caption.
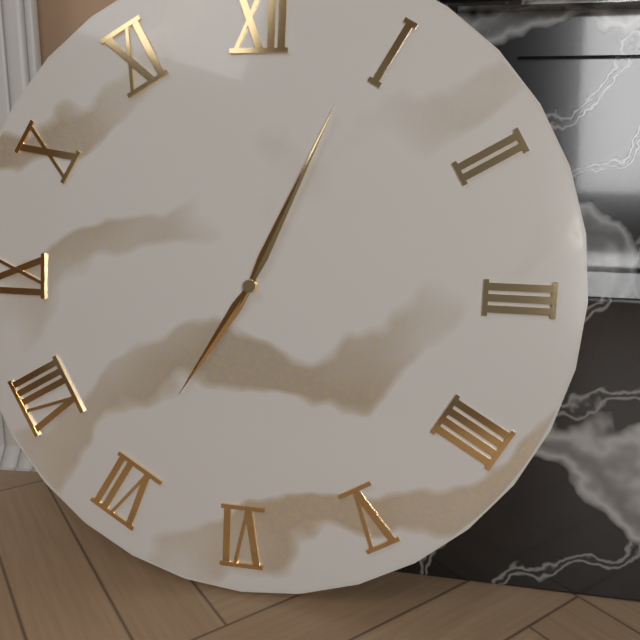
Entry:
**7:04**
